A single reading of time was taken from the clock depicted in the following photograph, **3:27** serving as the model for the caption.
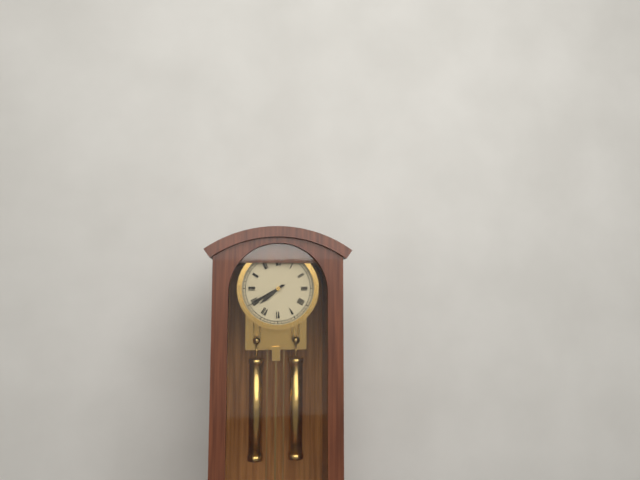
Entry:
**7:40**
